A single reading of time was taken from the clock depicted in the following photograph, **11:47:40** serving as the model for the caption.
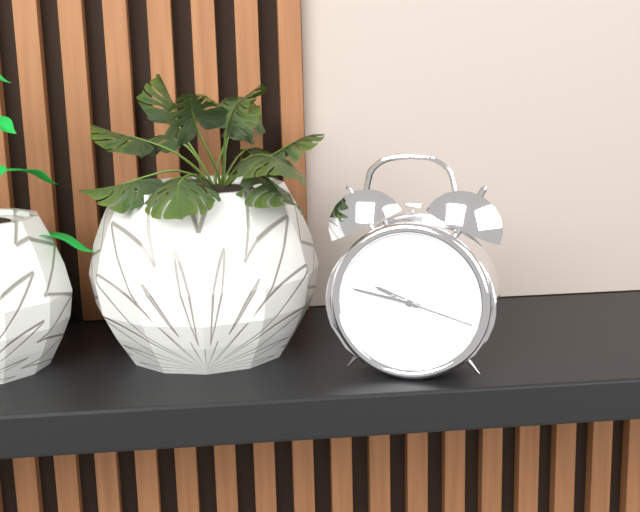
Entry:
**9:47:18**
